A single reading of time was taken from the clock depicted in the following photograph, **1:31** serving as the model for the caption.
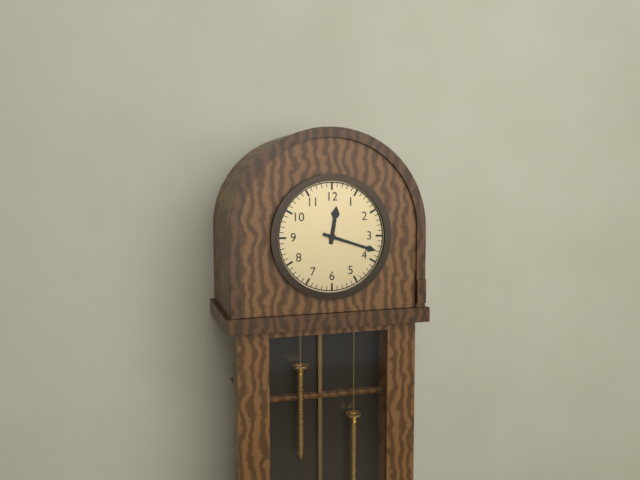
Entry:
**12:18**
